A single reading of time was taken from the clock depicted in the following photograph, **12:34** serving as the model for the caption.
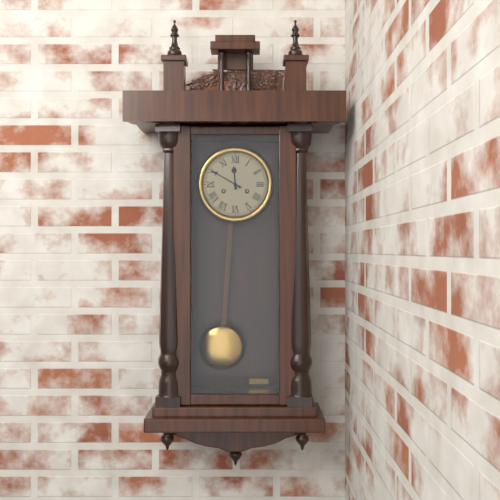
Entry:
**11:50**
